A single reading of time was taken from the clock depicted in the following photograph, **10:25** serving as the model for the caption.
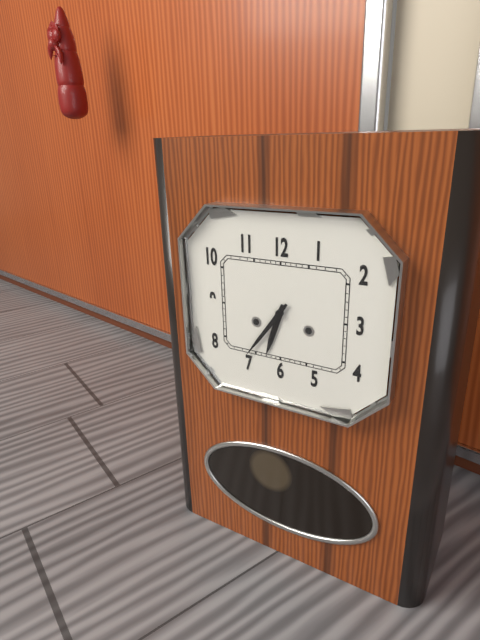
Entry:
**6:36**
